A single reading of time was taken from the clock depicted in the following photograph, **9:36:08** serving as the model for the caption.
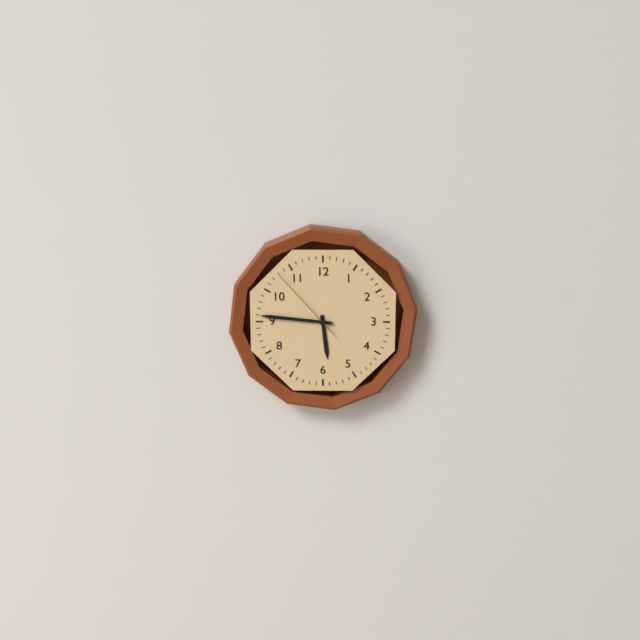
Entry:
**5:46:53**
